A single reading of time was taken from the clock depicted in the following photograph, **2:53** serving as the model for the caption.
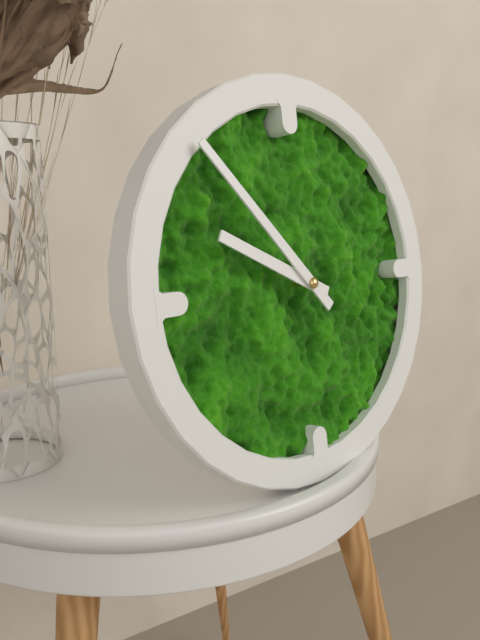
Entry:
**9:53**
